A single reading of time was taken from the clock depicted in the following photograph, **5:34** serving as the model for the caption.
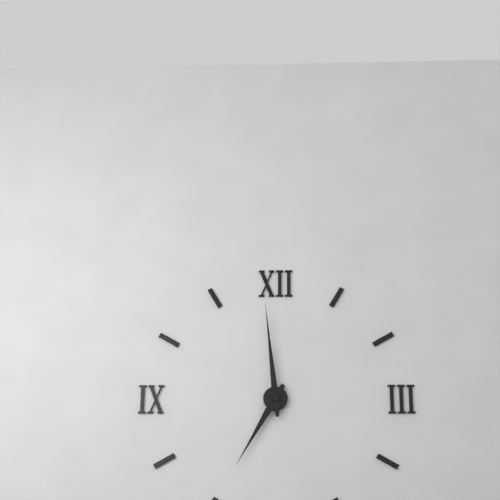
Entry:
**6:59**
